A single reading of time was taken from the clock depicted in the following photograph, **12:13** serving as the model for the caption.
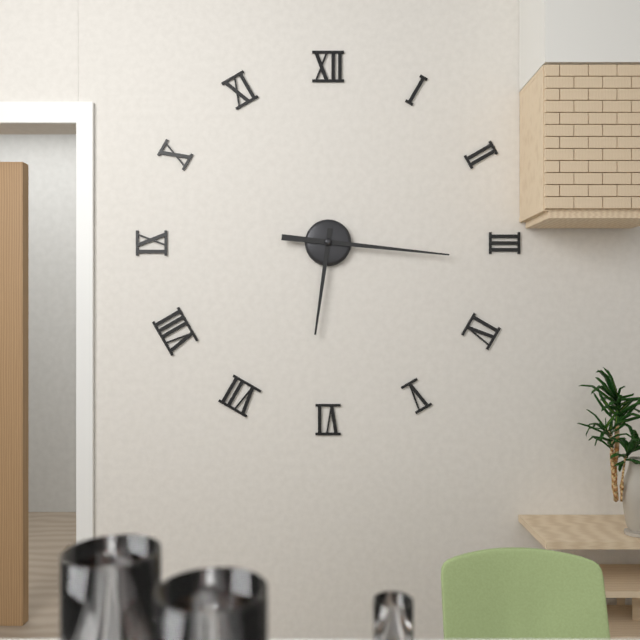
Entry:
**6:16**
